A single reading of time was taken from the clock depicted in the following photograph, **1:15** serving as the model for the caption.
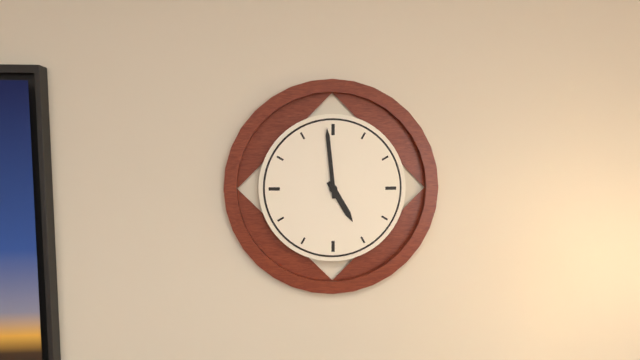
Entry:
**4:59**
